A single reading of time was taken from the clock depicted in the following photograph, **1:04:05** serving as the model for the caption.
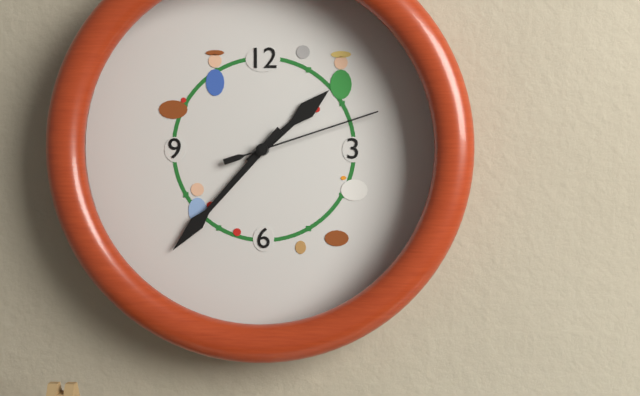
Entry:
**1:37:12**
